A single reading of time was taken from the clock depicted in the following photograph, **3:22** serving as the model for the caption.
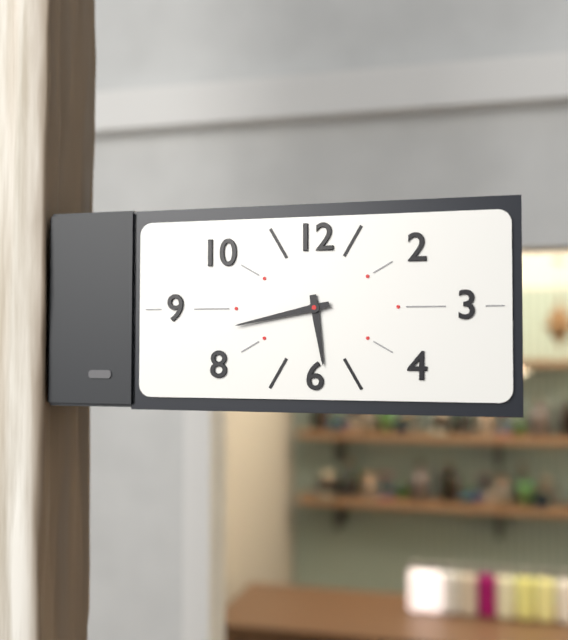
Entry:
**5:43**
